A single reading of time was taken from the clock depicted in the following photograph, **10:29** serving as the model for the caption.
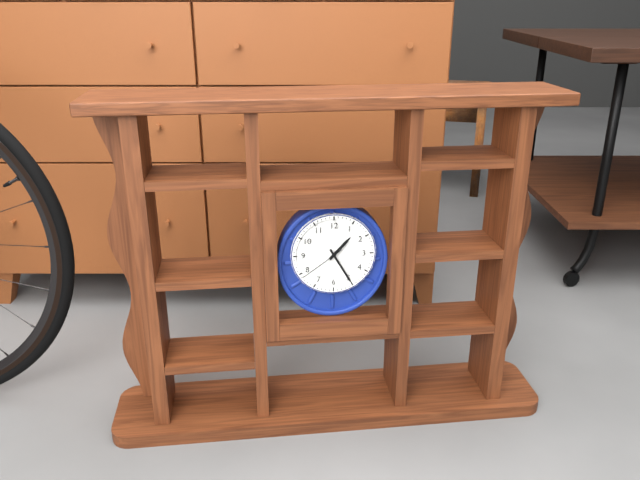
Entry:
**1:25**
